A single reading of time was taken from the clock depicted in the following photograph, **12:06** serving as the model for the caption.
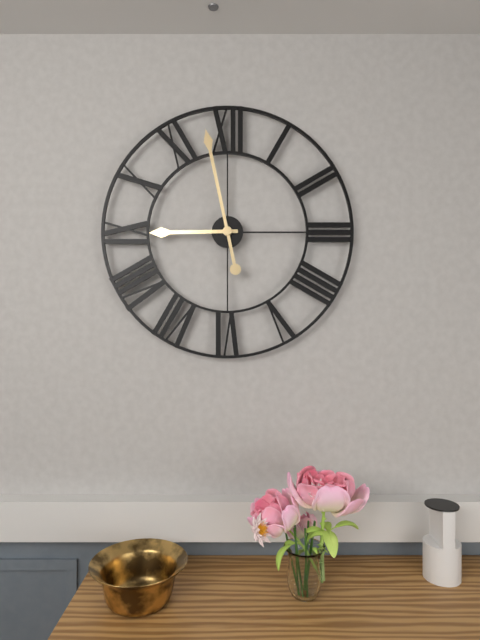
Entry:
**8:58**
